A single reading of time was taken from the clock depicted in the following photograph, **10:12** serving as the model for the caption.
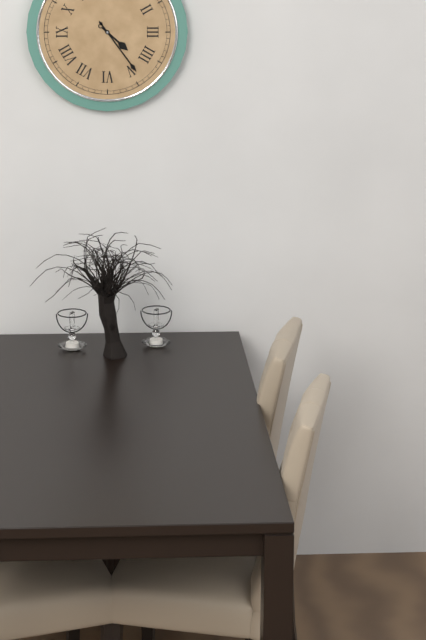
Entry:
**4:24**
